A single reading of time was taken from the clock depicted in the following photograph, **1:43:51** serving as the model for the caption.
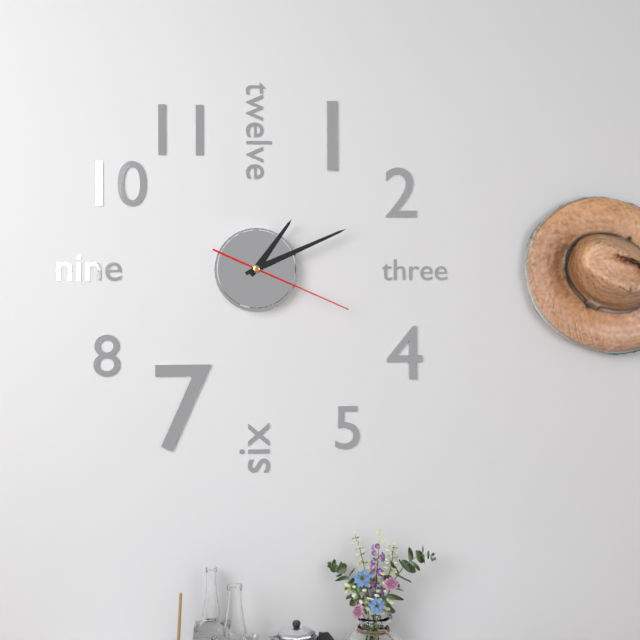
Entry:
**1:11:19**
